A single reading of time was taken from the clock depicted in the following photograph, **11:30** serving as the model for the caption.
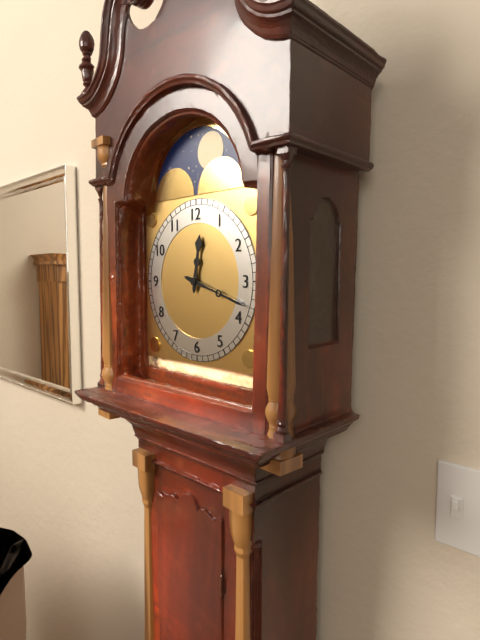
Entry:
**12:18**
